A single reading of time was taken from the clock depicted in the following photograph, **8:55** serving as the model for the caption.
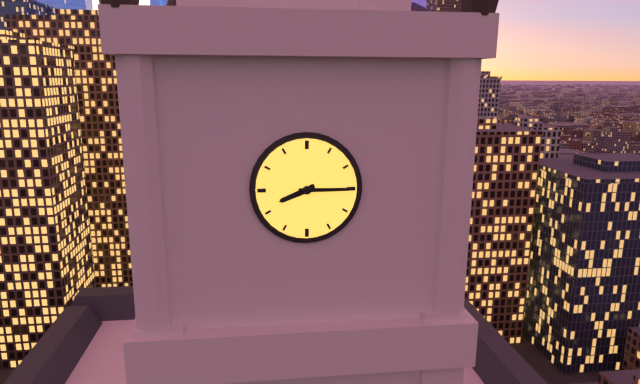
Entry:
**8:15**
